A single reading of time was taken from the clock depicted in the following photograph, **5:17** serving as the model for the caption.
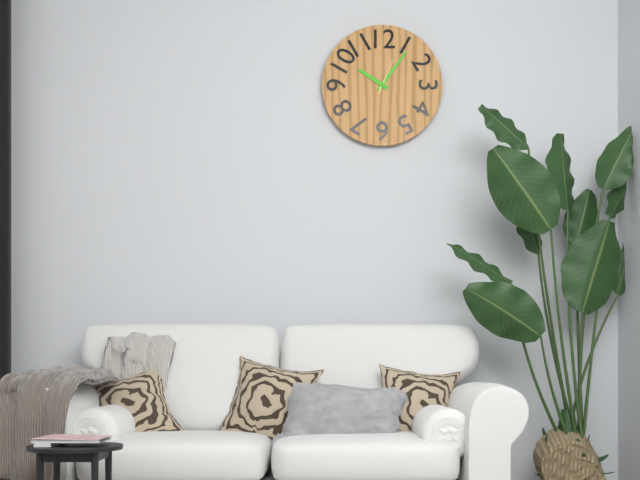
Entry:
**10:06**
